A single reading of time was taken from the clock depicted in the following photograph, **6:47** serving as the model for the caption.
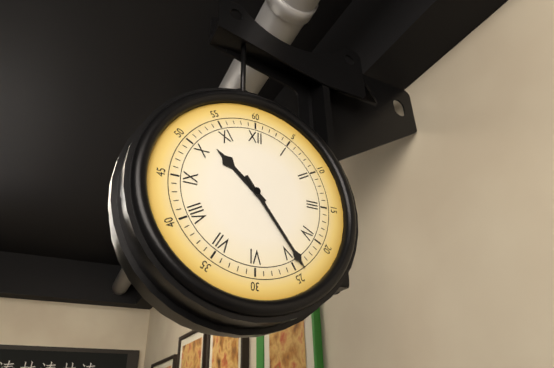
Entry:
**10:24**
